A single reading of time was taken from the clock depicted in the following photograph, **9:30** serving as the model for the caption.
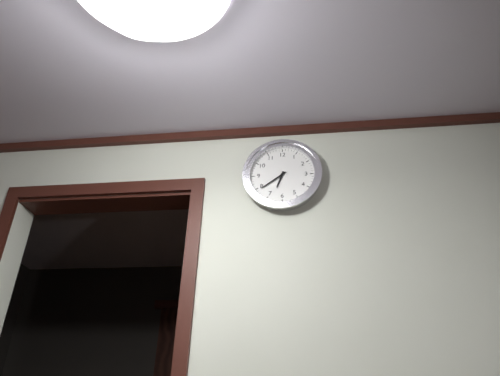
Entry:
**6:39**
